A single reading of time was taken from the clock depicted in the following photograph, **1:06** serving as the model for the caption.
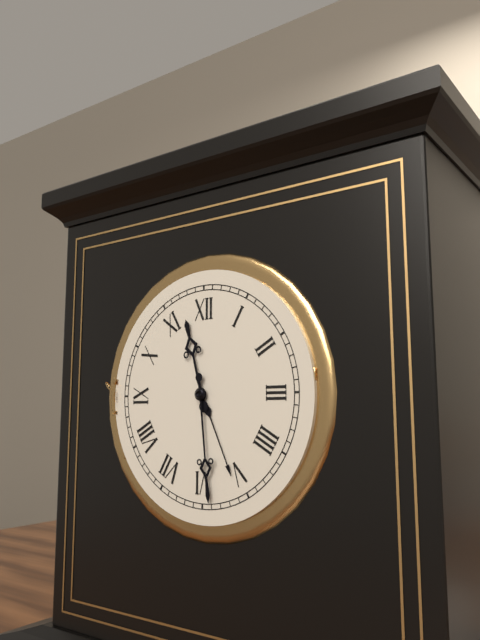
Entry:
**11:29**
